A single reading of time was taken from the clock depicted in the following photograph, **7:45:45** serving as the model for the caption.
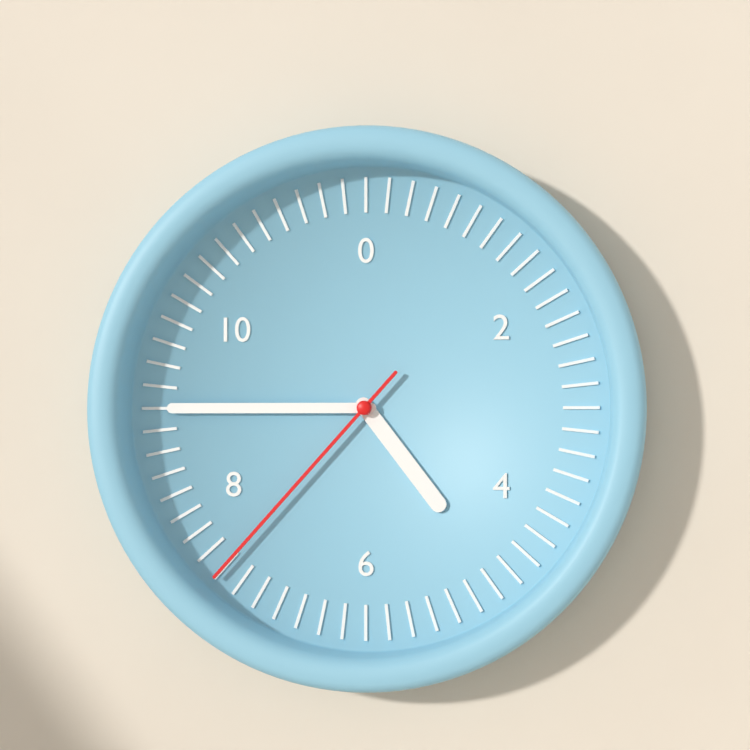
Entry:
**4:45:37**
